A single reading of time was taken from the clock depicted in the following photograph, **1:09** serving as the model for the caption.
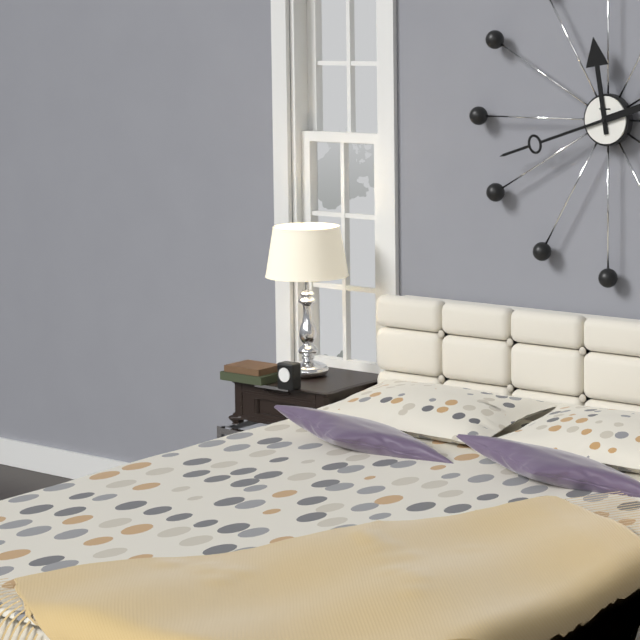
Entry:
**11:42**
